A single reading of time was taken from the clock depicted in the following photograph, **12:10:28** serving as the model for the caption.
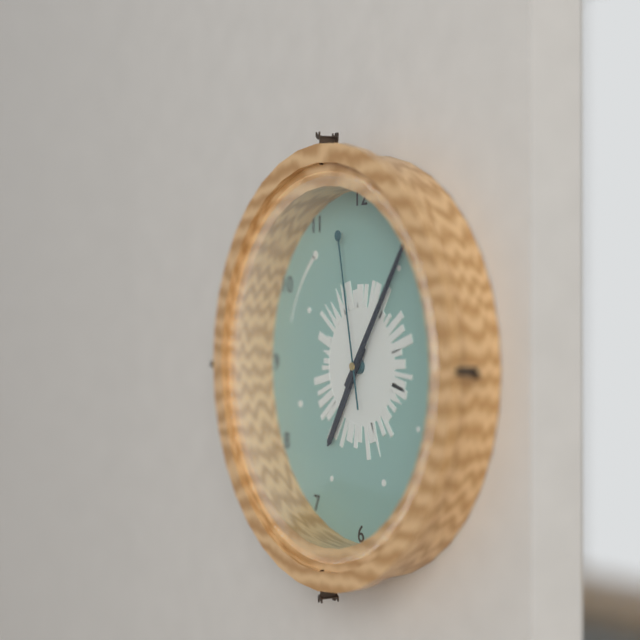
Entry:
**7:06:58**
